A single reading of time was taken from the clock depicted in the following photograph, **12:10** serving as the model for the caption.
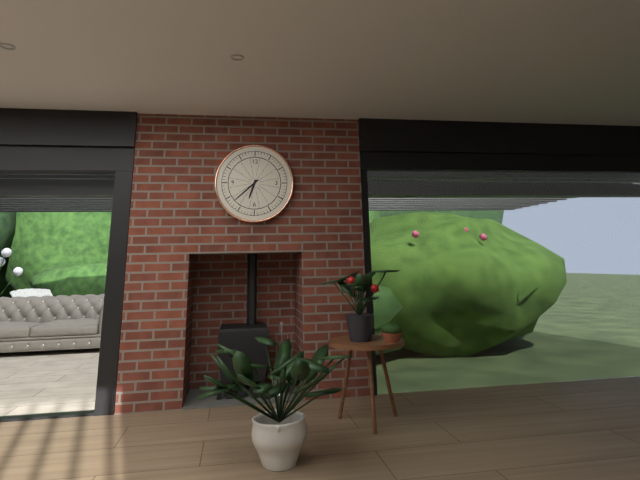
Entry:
**6:38**
